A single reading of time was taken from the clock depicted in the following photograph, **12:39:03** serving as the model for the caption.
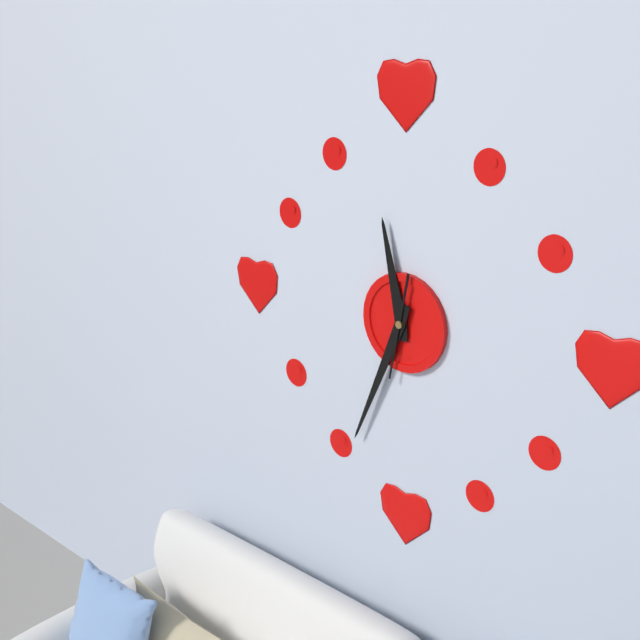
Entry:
**11:34:32**
